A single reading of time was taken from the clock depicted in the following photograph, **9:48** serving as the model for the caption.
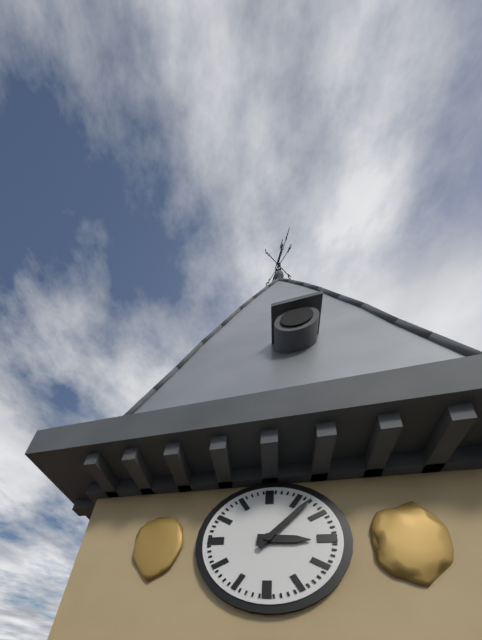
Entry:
**3:07**
